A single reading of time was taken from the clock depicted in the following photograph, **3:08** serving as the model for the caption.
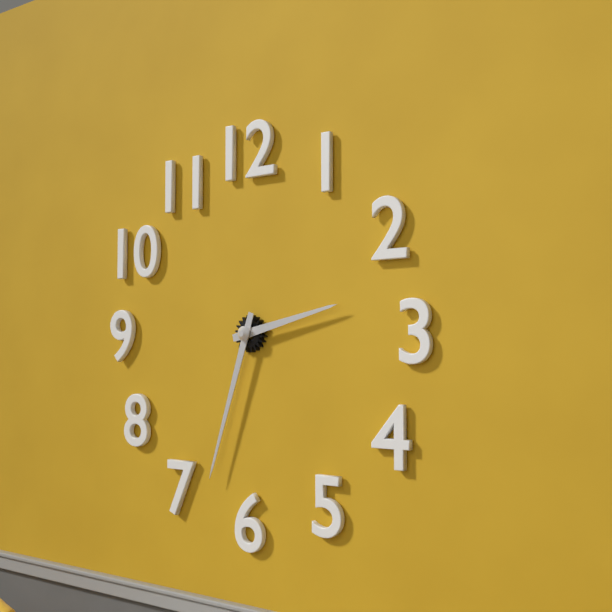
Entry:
**2:33**
